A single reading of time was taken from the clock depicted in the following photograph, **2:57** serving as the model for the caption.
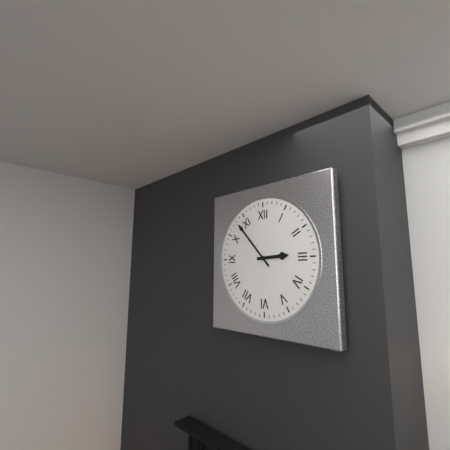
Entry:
**2:53**
